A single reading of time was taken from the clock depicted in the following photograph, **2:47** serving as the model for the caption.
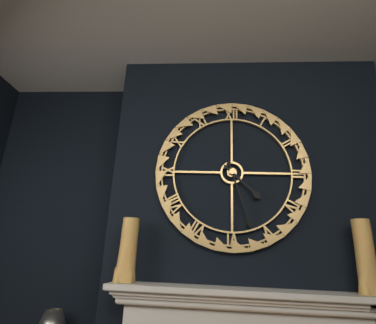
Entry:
**4:27**
